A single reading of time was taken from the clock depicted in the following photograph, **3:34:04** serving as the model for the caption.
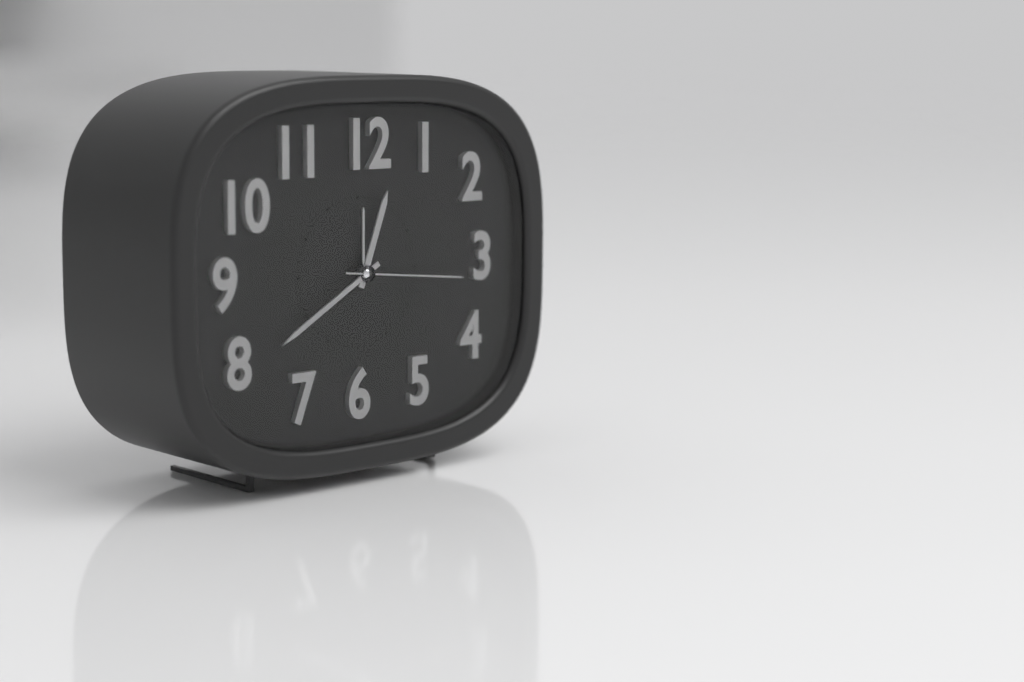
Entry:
**12:40:16**
